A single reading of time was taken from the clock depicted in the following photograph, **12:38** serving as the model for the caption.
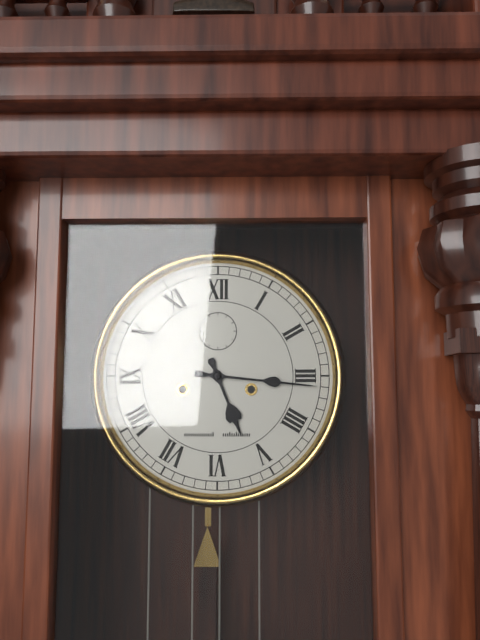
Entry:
**5:16**
